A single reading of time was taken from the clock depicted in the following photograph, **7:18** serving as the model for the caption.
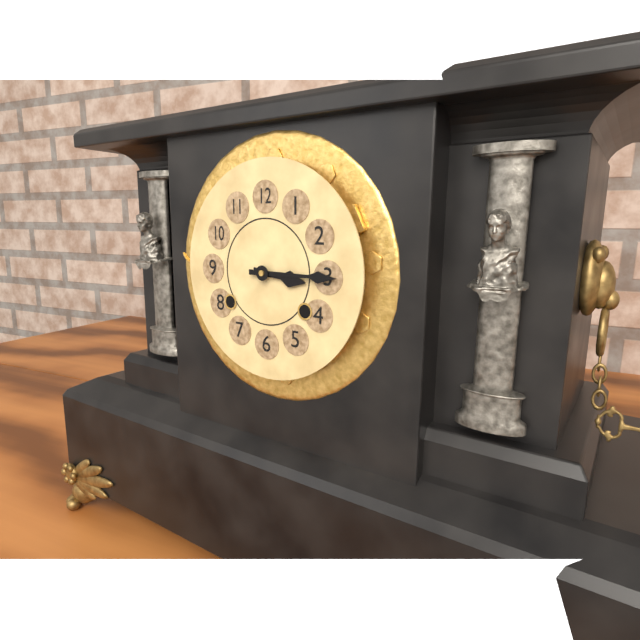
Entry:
**3:15**
